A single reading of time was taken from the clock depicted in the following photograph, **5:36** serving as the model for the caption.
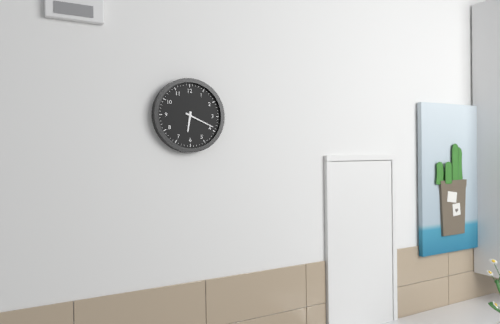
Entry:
**6:19**
